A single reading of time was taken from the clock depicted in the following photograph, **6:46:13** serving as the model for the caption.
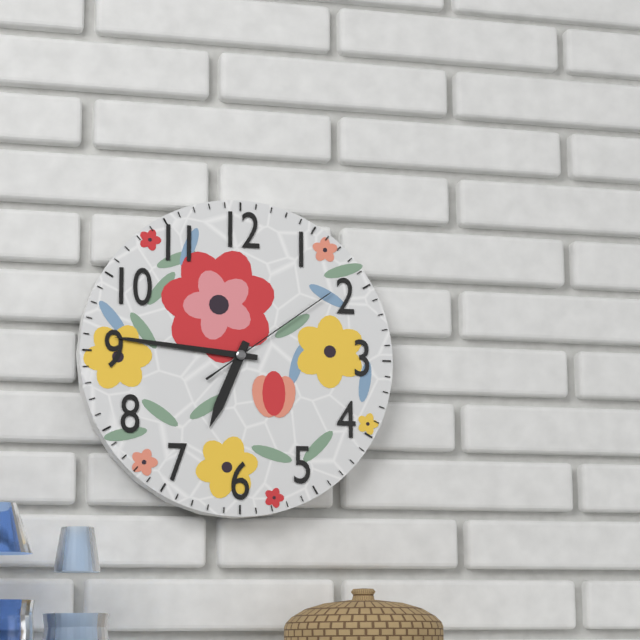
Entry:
**6:46:09**
